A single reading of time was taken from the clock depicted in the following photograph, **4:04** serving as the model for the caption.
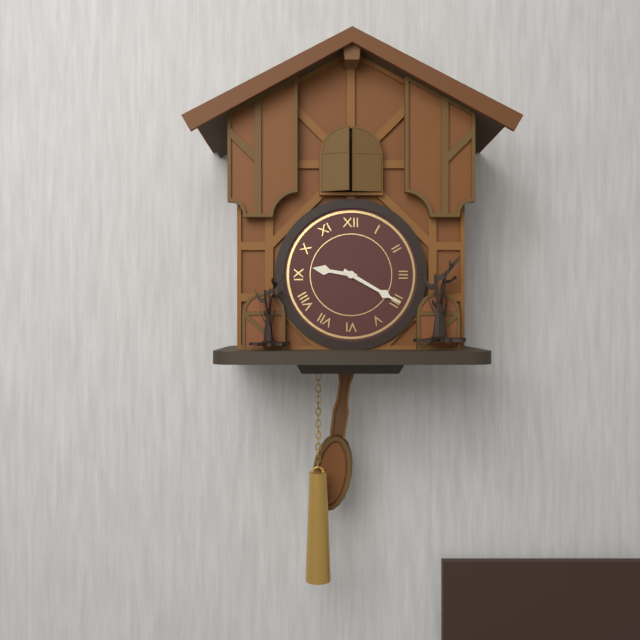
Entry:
**9:20**
